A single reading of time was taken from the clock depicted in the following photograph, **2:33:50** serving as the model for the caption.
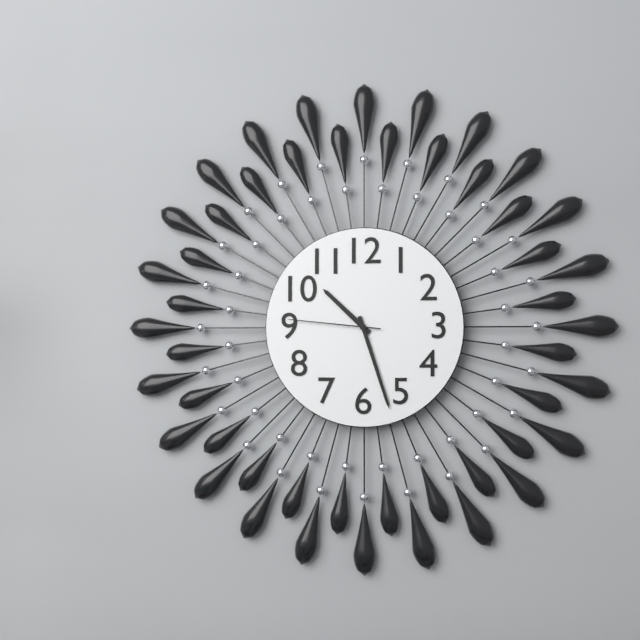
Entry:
**10:27:46**
